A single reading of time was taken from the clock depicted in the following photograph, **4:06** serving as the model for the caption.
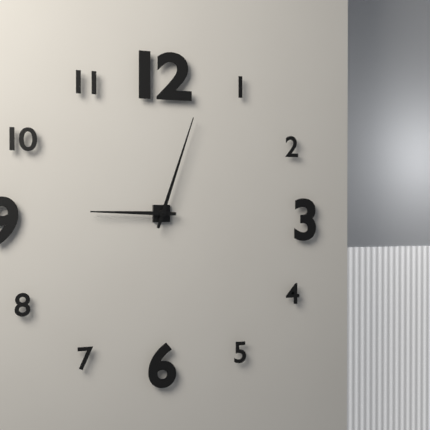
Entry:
**9:03**
